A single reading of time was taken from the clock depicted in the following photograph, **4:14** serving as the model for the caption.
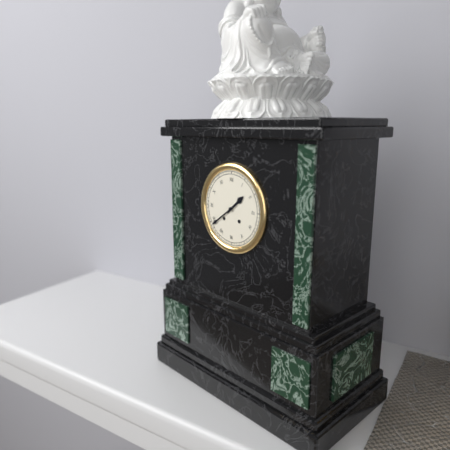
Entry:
**1:39**
